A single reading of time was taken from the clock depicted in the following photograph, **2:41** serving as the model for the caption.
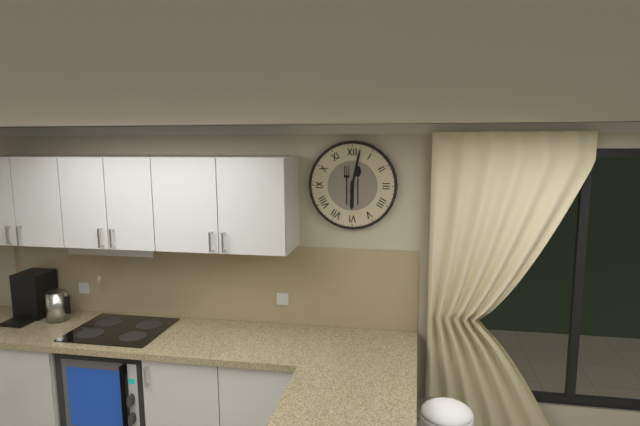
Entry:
**6:02**
